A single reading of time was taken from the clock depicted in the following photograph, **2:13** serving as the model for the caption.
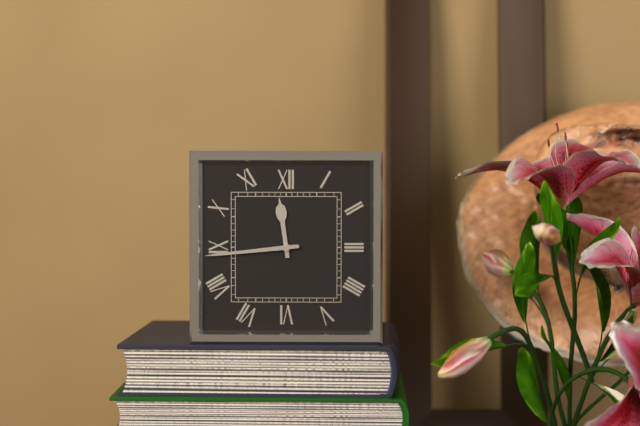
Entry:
**11:44**
